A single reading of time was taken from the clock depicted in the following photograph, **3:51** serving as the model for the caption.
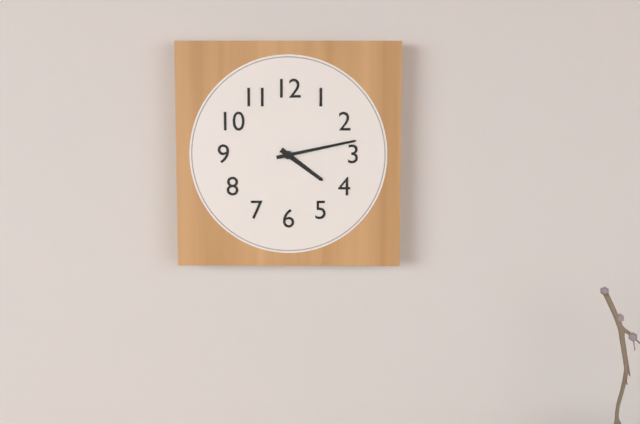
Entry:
**4:13**
